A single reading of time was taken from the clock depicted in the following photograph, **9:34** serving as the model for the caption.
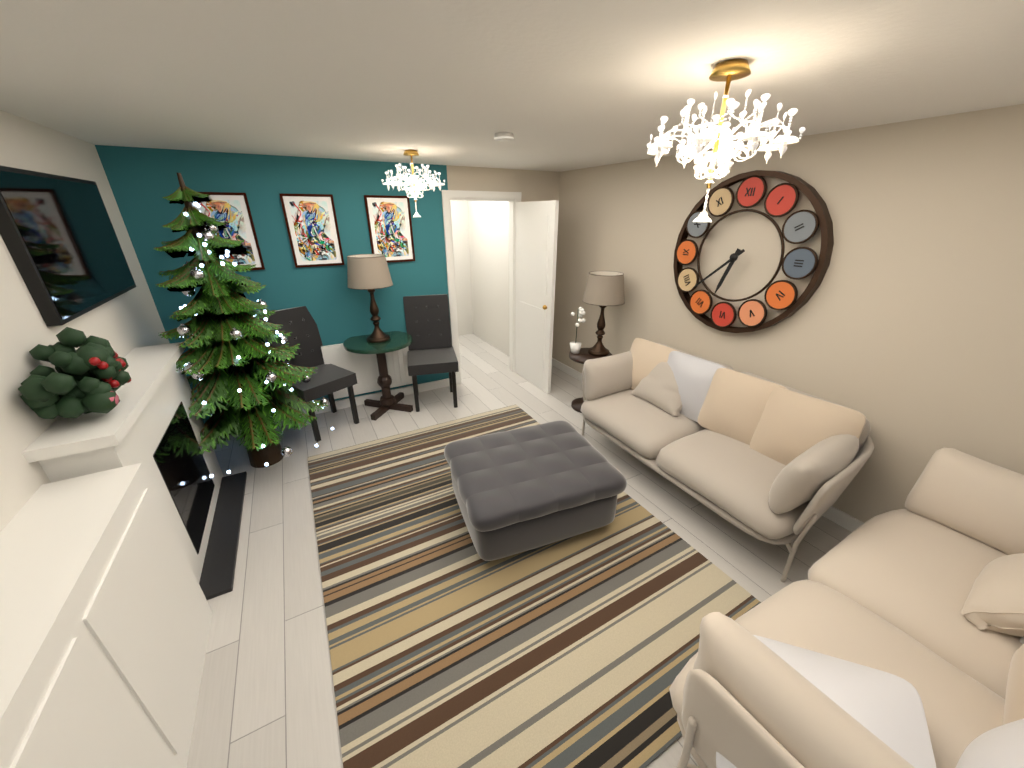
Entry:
**6:38**
